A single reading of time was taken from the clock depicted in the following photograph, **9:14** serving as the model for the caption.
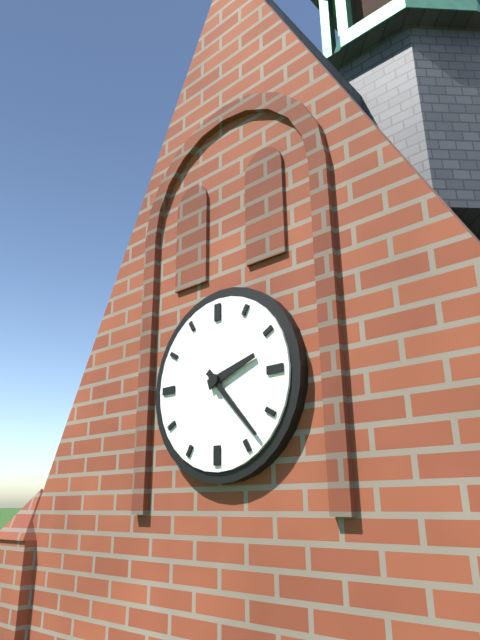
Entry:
**2:23**
